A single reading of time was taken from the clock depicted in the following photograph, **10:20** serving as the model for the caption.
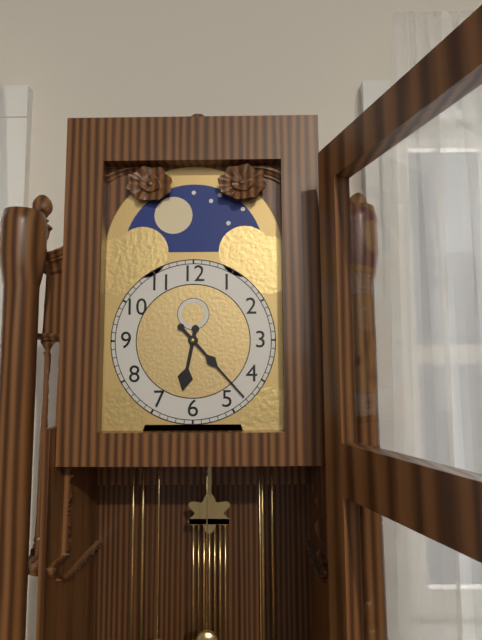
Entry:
**6:23**
